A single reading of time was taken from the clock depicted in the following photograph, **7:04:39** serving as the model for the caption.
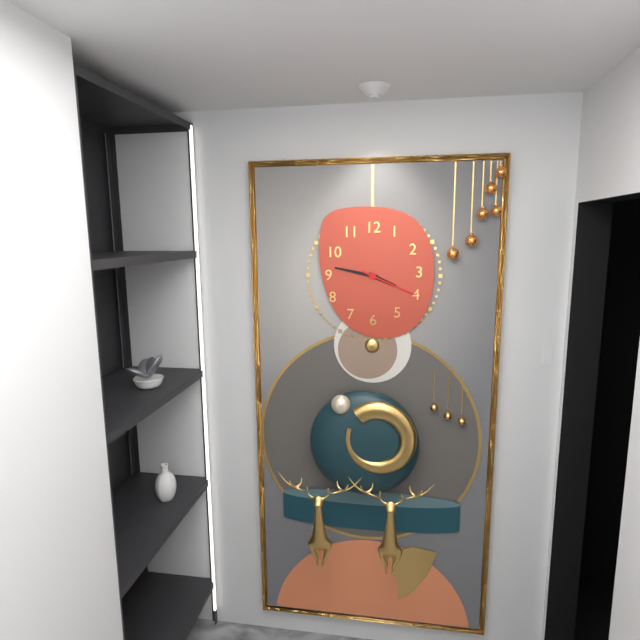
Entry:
**3:47:19**
